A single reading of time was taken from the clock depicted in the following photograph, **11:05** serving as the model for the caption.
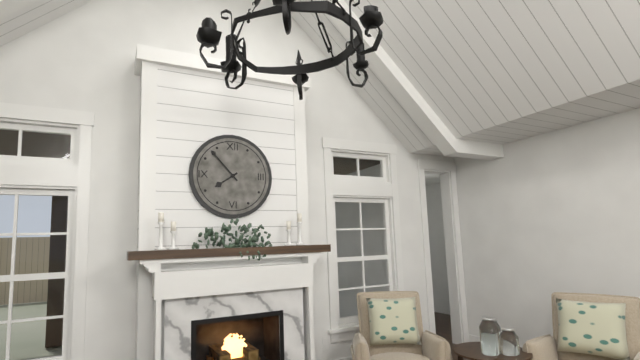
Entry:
**7:53**
